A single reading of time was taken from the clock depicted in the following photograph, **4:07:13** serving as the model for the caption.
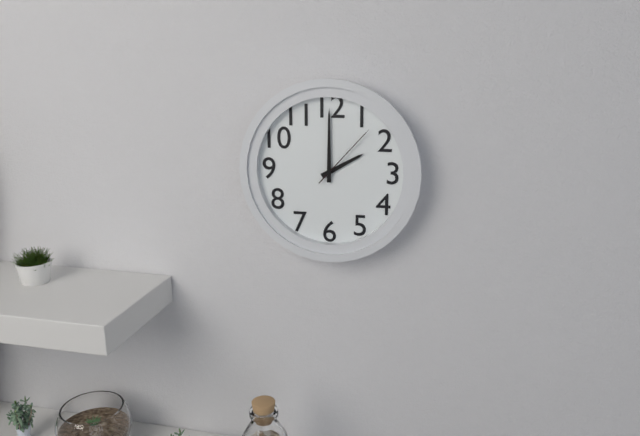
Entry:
**2:00:07**
